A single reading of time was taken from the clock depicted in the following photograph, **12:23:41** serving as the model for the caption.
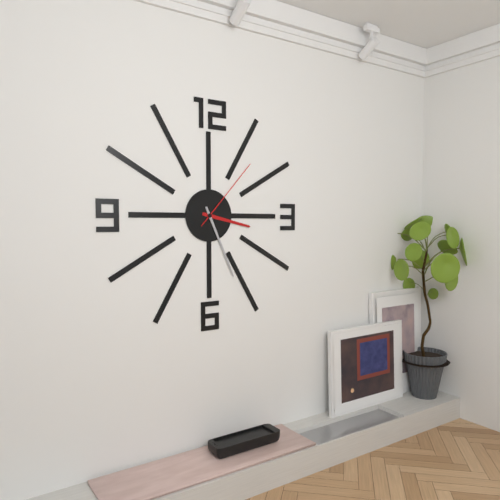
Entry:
**3:26:07**
